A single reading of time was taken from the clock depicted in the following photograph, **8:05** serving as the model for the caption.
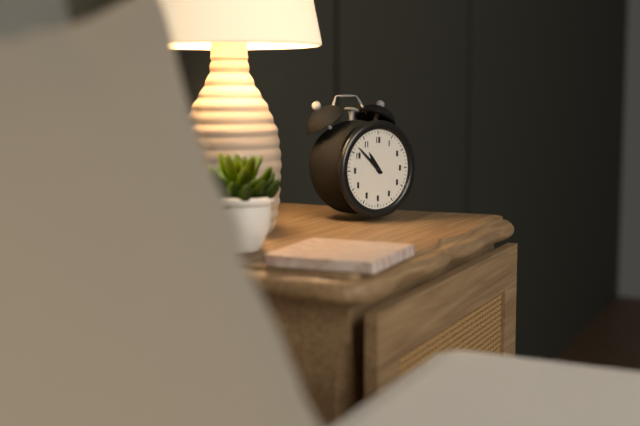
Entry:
**10:52**
